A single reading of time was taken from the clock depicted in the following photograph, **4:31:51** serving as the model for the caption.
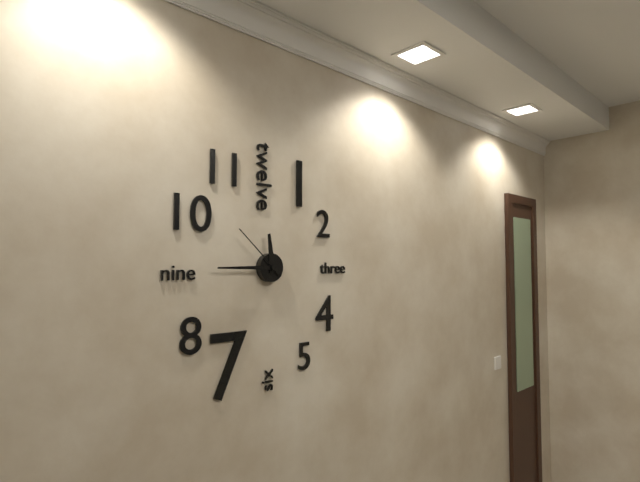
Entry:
**11:45:52**
